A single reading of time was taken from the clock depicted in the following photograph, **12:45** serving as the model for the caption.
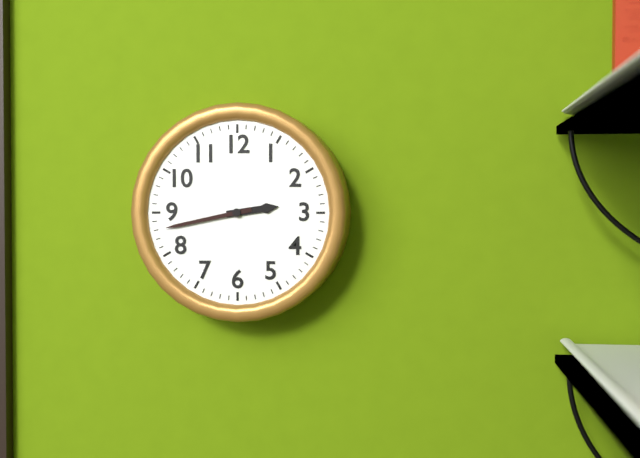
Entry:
**2:43**
